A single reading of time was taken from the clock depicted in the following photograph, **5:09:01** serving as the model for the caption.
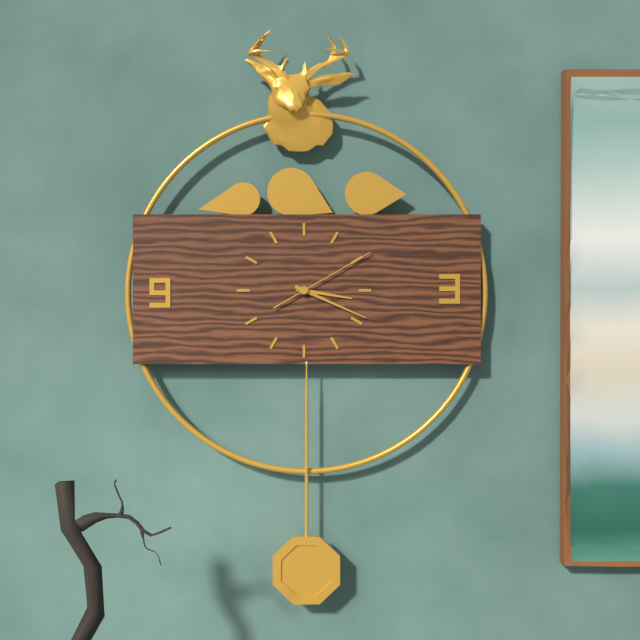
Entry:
**3:19:10**
